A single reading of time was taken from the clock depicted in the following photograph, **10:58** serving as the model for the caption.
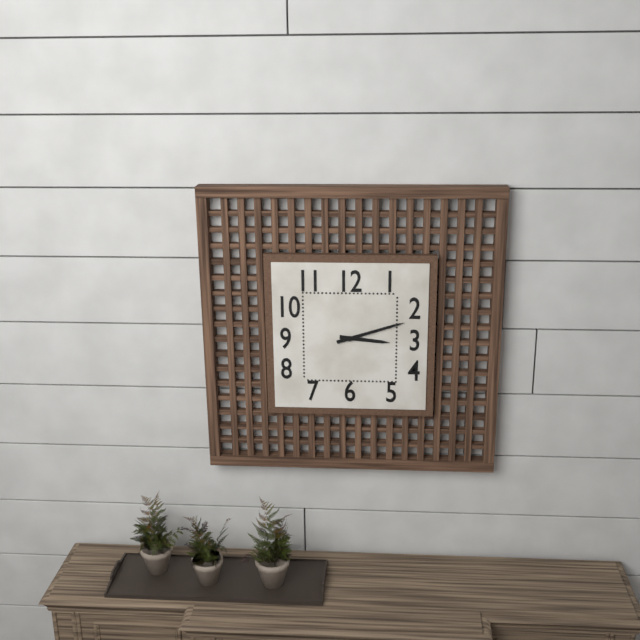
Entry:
**3:12**
